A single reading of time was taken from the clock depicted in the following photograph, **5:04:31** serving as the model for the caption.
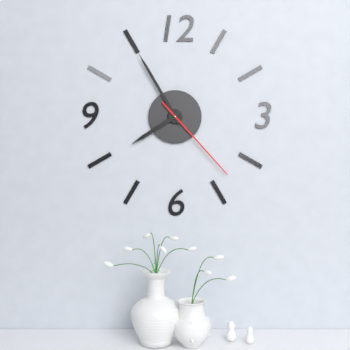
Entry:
**7:55:23**
